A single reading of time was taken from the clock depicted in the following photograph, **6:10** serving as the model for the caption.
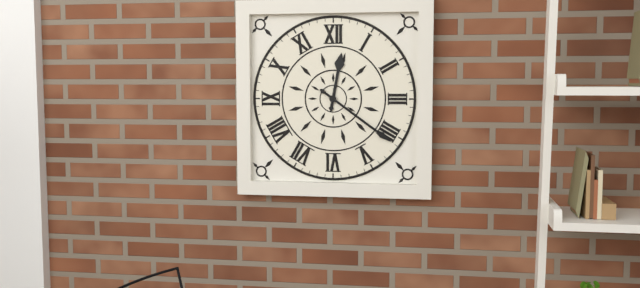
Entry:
**12:21**
